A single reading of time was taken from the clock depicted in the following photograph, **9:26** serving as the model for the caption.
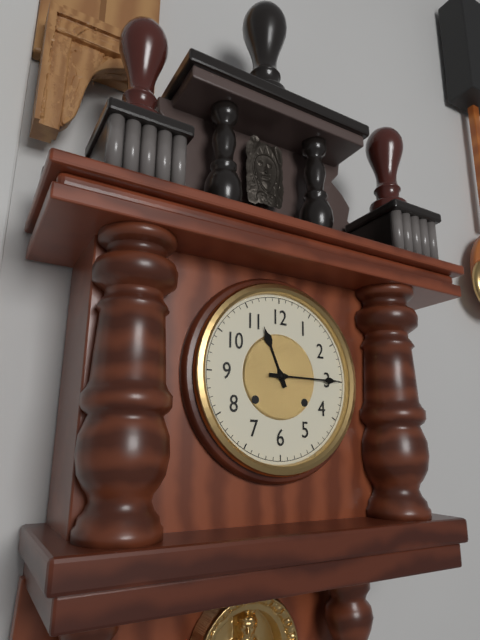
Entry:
**11:15**
